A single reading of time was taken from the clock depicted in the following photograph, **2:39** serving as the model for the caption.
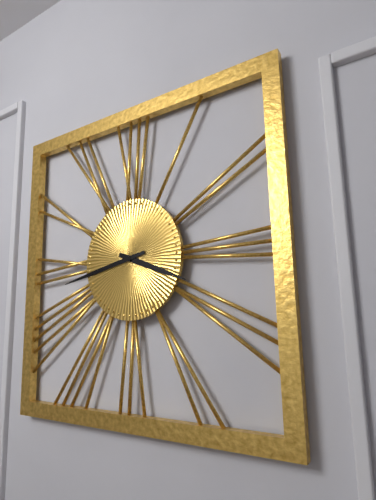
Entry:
**3:43**
